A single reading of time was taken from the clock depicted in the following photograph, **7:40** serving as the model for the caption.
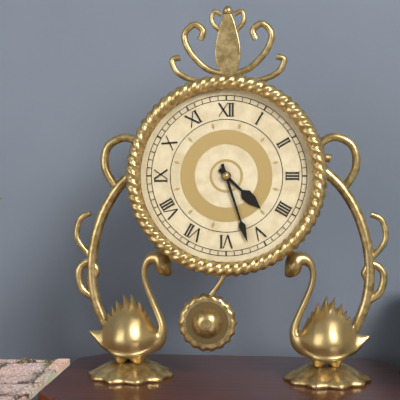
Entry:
**4:27**
